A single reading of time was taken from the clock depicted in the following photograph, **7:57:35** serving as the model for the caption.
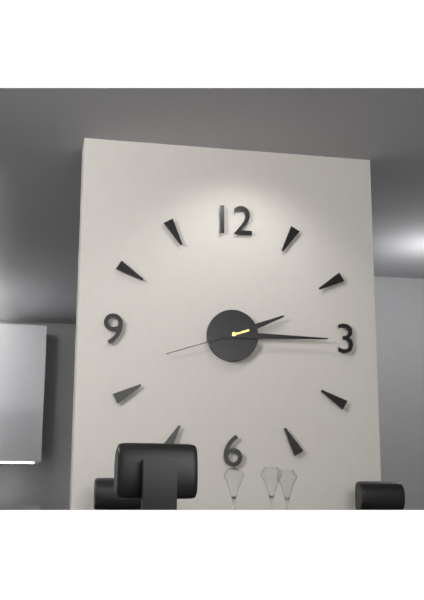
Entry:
**2:15:42**
